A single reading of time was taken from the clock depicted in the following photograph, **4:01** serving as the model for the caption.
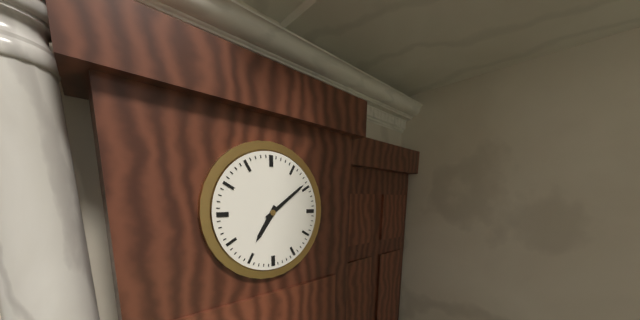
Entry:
**7:09**
